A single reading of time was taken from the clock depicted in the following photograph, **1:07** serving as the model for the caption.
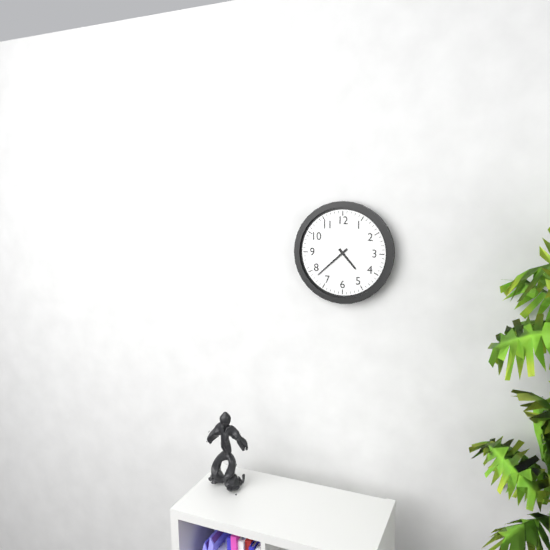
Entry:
**4:38**
